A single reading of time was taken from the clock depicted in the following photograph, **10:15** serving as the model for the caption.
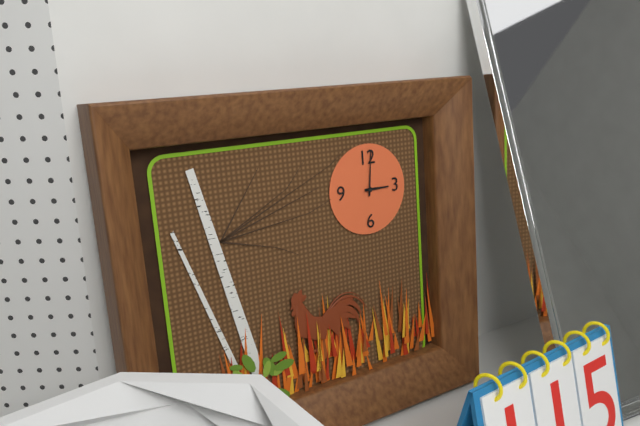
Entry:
**3:01**
